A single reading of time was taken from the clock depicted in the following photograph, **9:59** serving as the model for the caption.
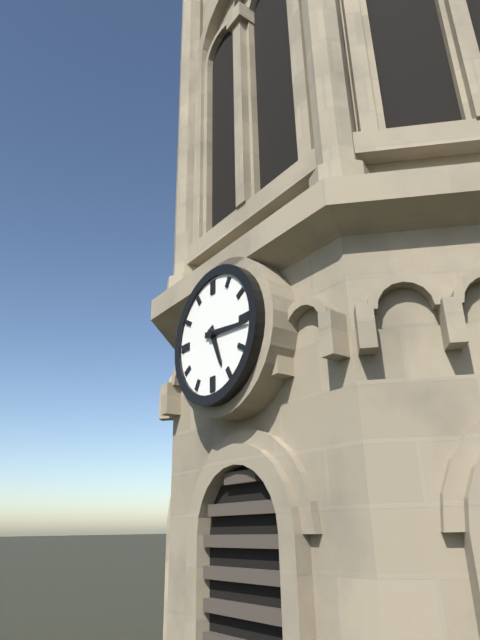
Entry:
**5:16**
